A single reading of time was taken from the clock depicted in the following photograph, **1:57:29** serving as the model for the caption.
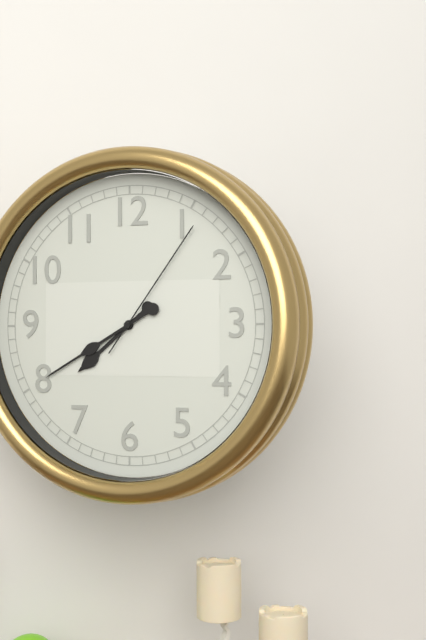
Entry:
**7:40:06**
